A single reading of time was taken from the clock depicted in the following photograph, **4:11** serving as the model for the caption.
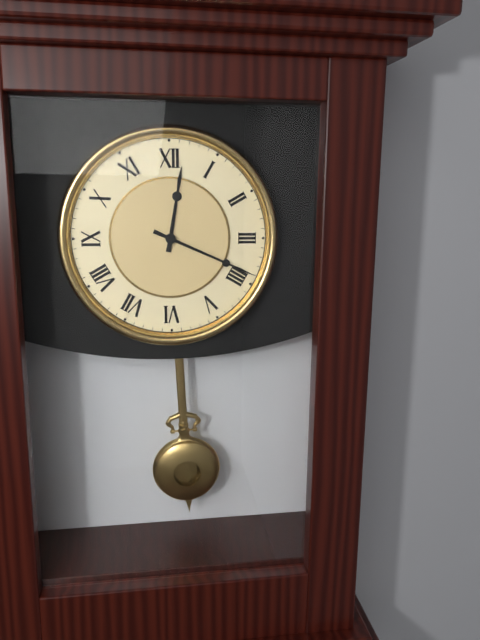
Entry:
**12:19**
